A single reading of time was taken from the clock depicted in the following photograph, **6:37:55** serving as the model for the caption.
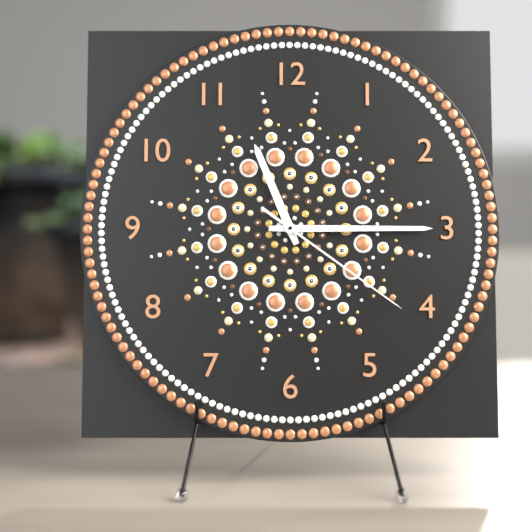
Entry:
**11:15:21**
